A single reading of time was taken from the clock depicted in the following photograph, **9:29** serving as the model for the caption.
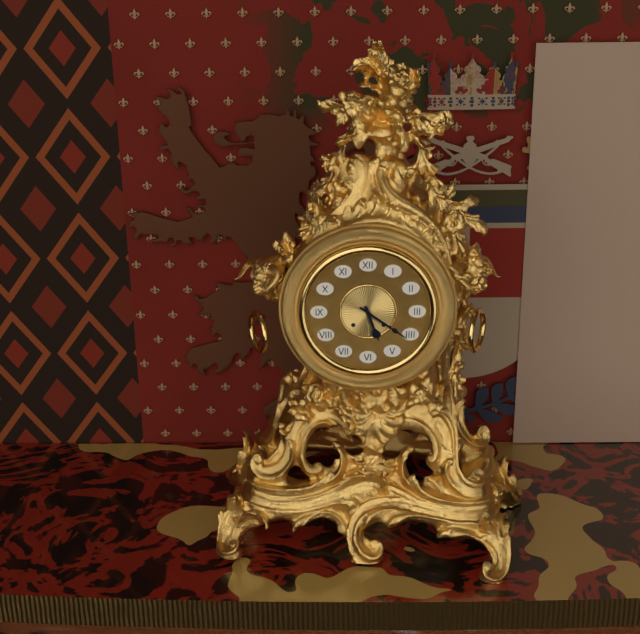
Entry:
**5:21**
